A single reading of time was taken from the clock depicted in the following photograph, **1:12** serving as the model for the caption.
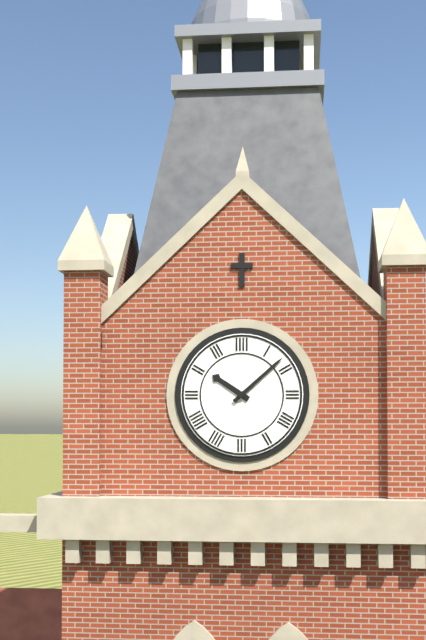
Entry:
**10:08**
